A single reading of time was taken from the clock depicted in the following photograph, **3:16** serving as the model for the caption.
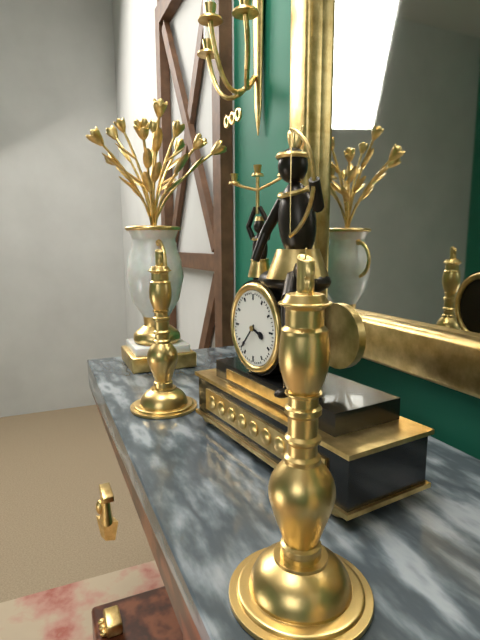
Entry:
**3:37**
